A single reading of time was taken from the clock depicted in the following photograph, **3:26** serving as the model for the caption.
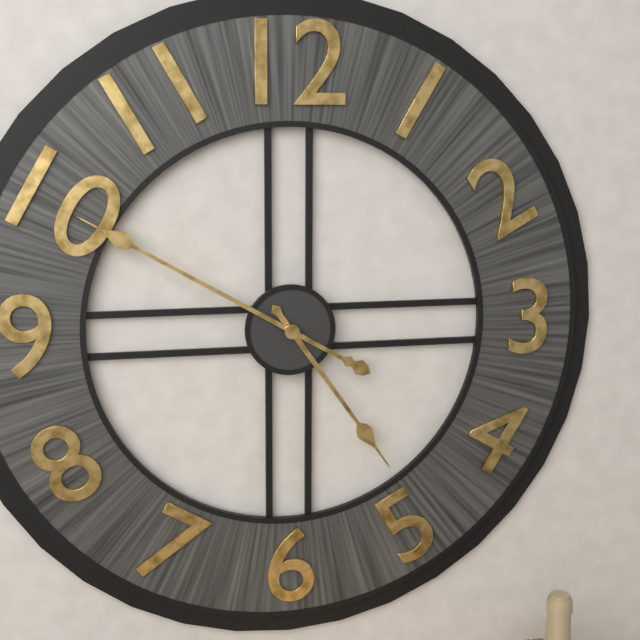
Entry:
**4:50**
